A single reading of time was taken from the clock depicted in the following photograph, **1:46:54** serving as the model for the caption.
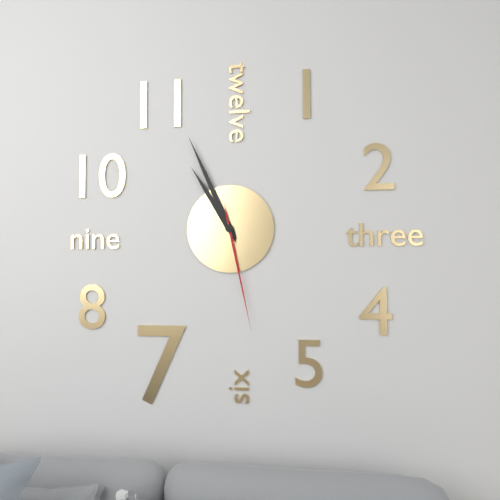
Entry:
**10:56:28**
